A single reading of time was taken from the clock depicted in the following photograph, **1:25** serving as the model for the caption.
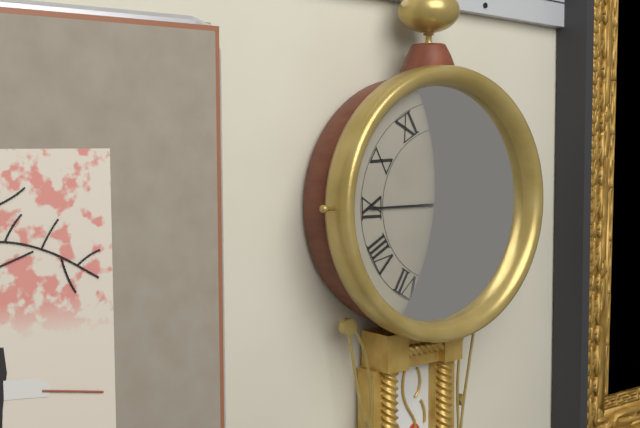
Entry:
**12:45**
